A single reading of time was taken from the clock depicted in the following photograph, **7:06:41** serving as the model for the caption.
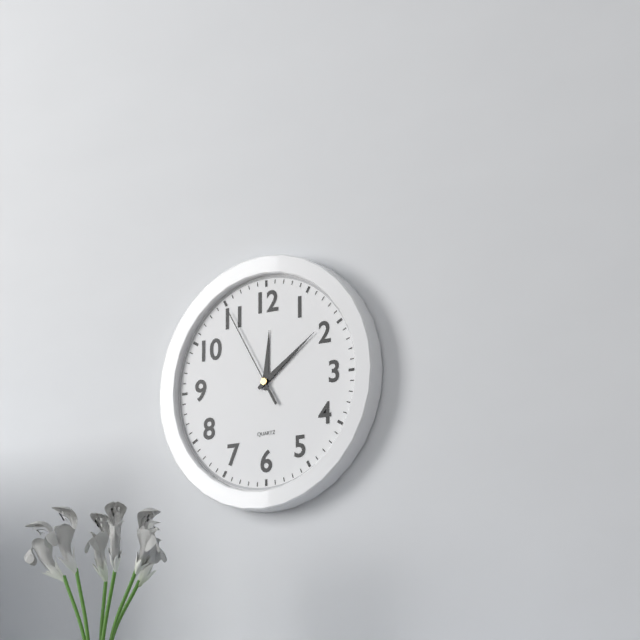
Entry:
**12:09:55**
